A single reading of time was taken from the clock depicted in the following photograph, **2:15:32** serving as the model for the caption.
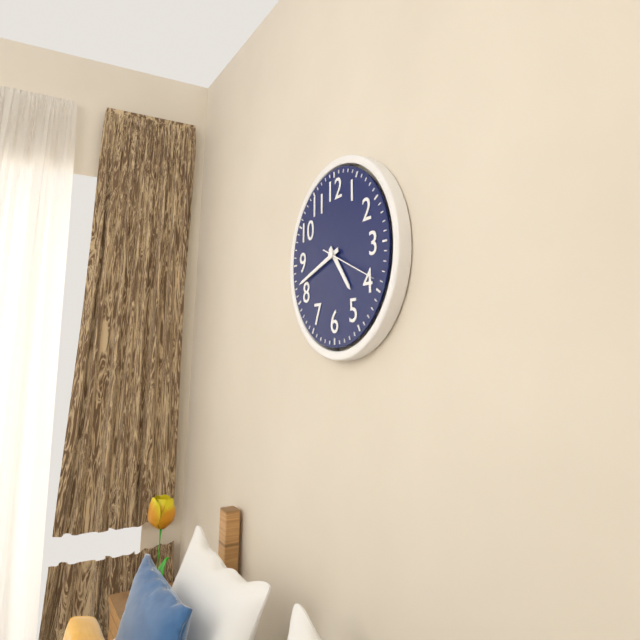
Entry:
**4:42:19**
